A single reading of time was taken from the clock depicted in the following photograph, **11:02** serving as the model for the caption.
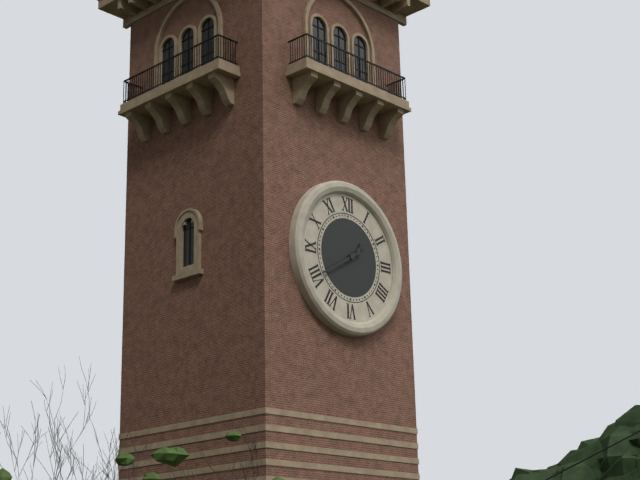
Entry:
**1:40**
